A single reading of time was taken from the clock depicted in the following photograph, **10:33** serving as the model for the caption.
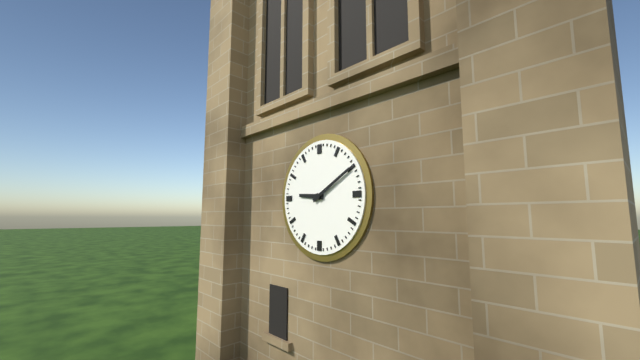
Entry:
**9:10**
